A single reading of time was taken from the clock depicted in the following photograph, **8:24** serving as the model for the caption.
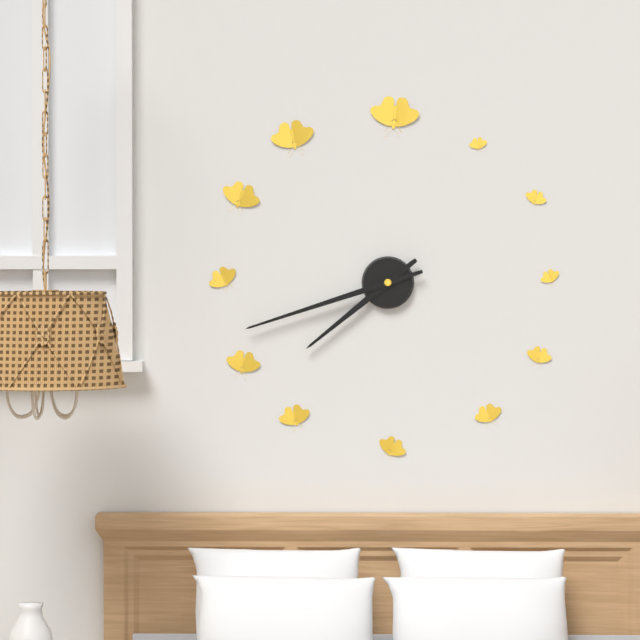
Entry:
**7:42**
